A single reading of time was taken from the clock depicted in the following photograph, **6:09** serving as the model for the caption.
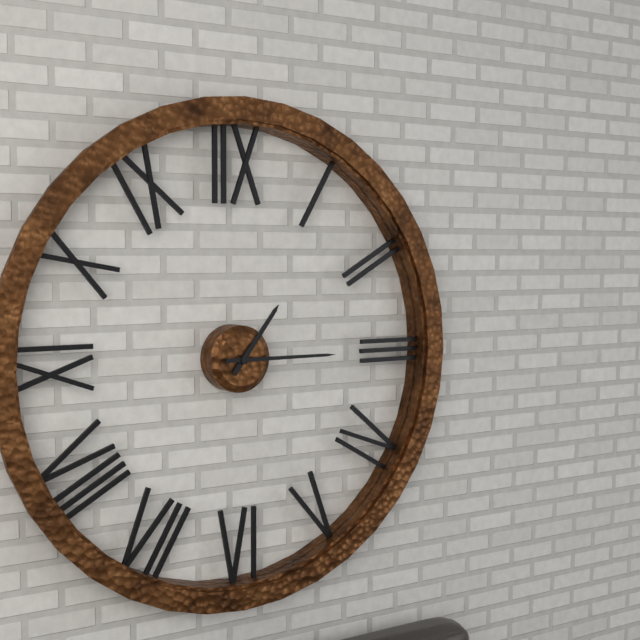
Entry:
**1:15**
